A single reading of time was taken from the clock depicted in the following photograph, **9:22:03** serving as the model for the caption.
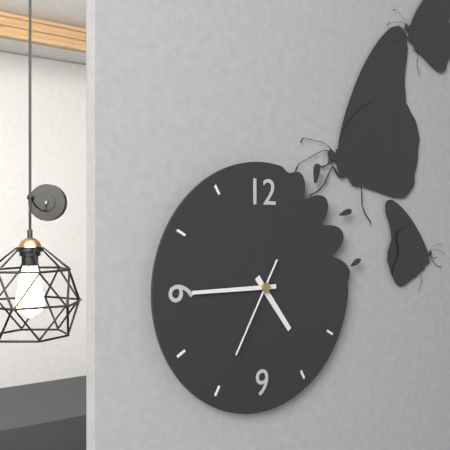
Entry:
**4:45:35**
